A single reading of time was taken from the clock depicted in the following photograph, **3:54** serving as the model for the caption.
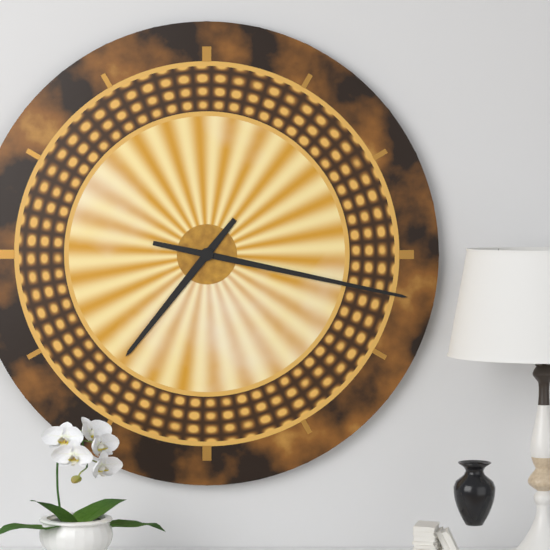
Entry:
**7:17**
